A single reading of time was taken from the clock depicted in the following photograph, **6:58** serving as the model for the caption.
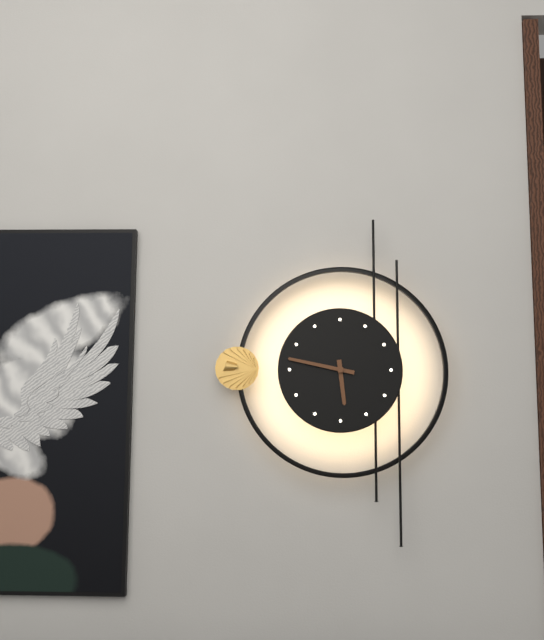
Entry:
**5:47**
